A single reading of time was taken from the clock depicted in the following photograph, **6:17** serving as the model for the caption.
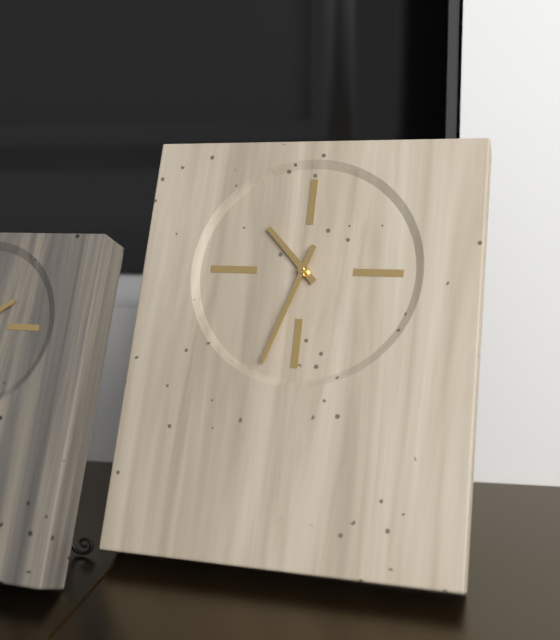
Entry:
**10:33**
